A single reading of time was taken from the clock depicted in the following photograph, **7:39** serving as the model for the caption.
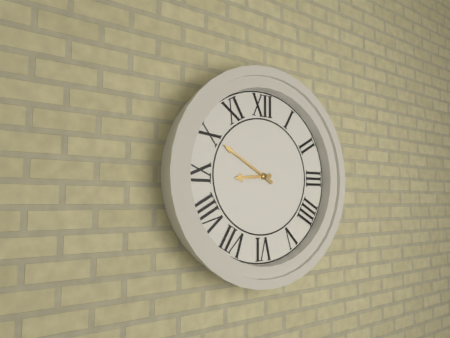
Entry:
**8:50**
